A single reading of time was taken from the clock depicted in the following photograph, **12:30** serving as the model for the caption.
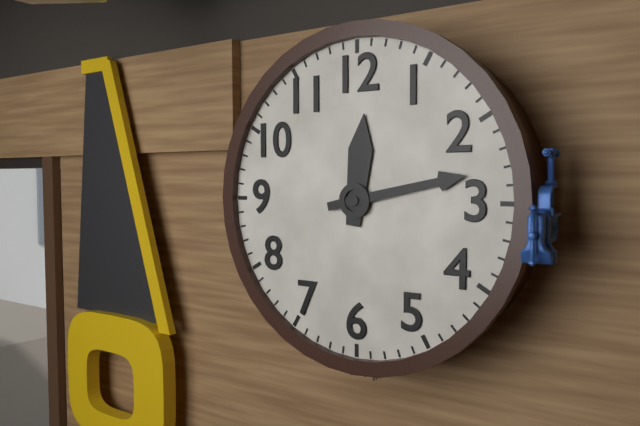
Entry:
**12:13**
